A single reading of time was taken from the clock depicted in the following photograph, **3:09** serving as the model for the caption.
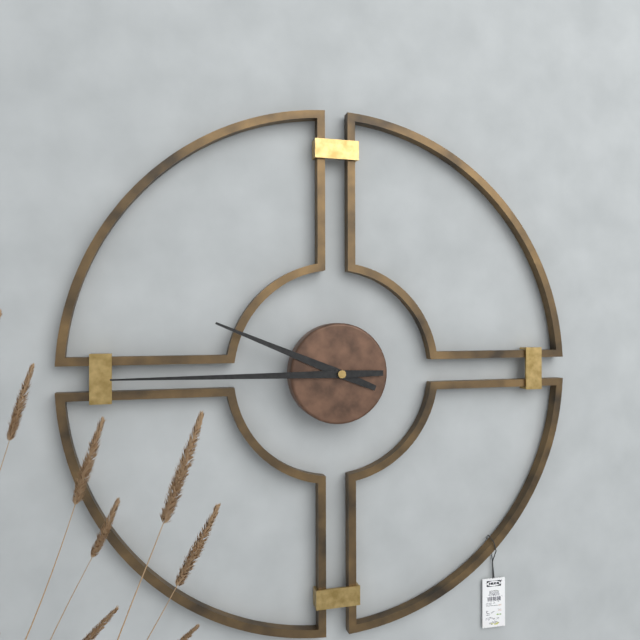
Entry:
**9:45**
